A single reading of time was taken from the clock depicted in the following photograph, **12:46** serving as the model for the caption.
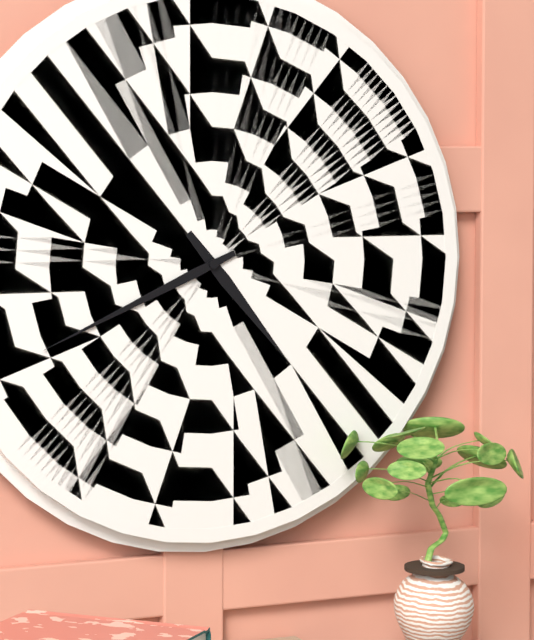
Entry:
**4:41**
